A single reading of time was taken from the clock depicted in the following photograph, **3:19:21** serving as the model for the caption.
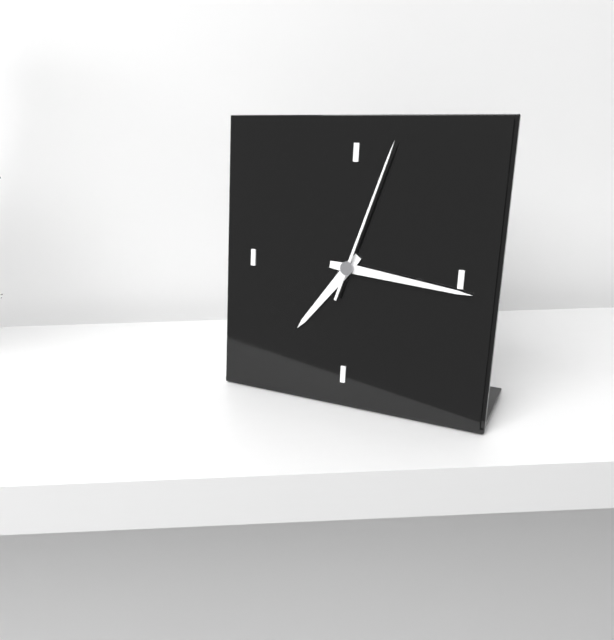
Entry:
**7:16:03**
